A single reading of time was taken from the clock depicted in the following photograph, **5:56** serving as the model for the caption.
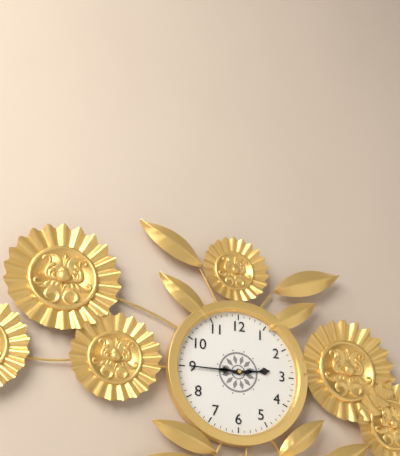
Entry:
**2:45**
